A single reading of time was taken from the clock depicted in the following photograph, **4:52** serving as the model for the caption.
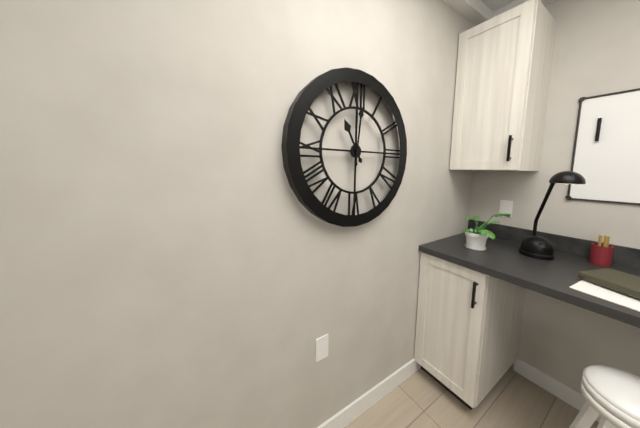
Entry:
**11:01**
